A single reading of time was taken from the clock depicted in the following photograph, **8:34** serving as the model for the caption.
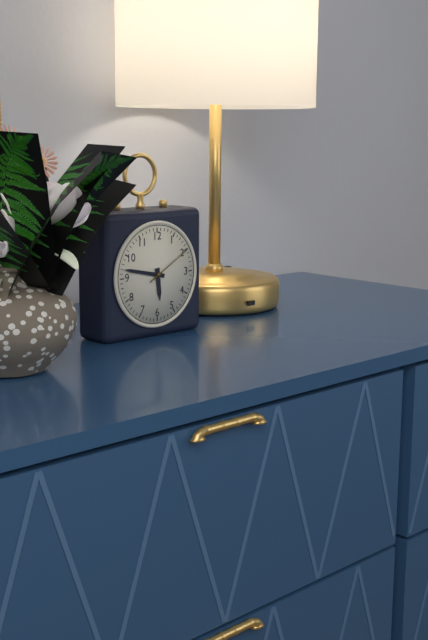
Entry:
**5:47**
